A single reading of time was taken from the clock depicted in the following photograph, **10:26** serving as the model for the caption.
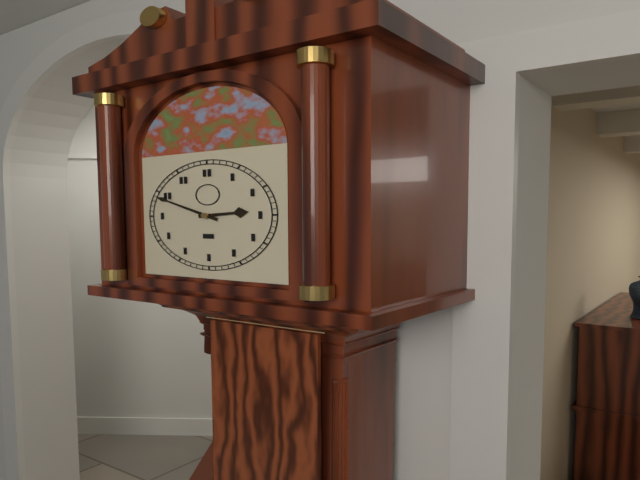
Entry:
**2:49**
